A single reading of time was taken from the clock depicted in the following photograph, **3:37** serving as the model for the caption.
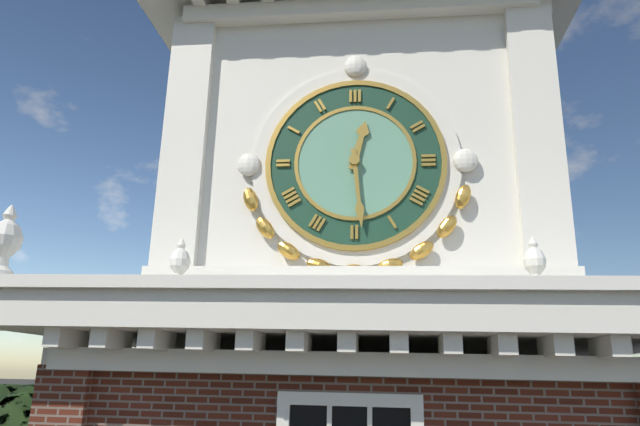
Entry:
**12:29**
